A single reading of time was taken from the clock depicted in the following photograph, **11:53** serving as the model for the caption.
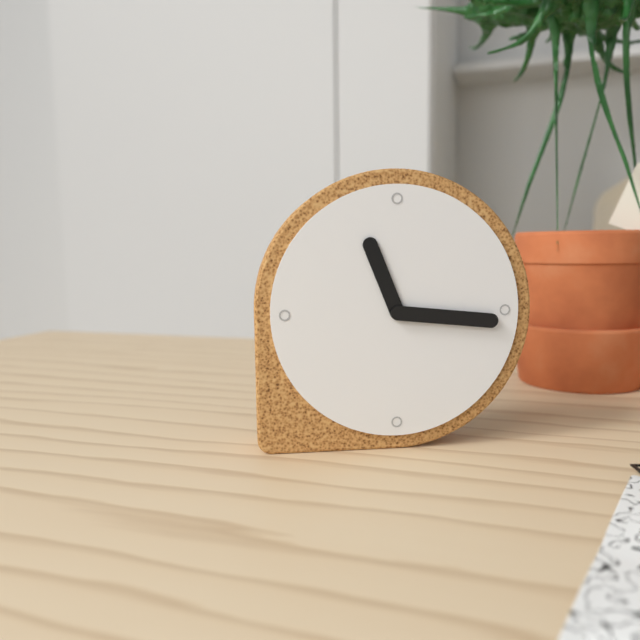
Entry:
**11:16**
